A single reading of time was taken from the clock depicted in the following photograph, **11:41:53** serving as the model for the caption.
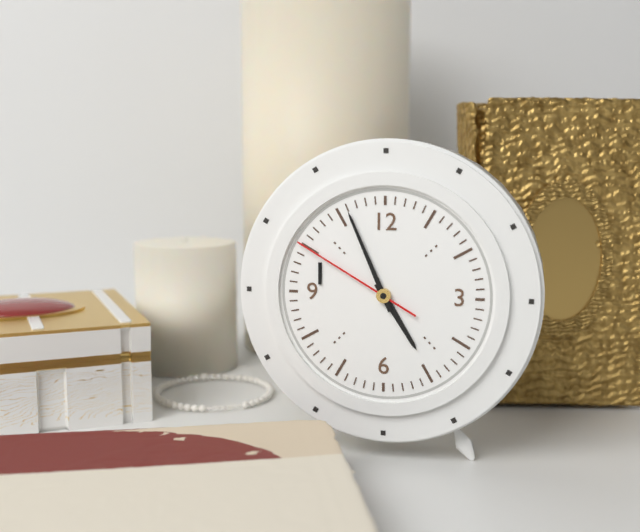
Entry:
**4:56:50**
